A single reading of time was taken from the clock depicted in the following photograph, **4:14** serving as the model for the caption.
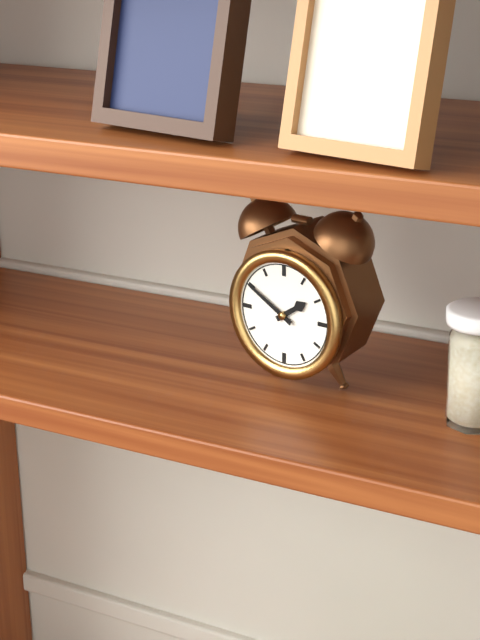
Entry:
**1:50**
